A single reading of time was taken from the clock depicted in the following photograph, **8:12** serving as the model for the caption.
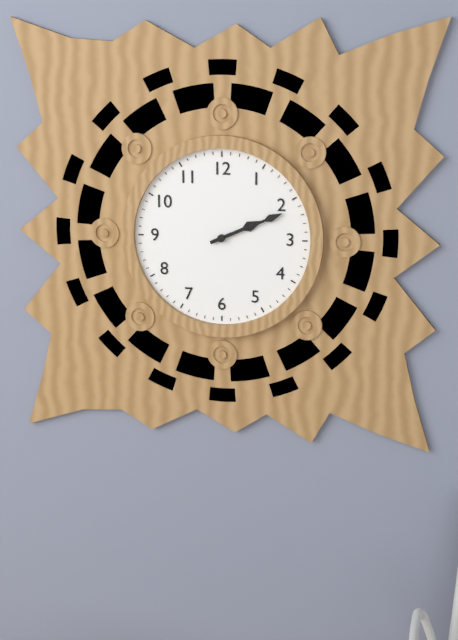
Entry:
**2:11**
